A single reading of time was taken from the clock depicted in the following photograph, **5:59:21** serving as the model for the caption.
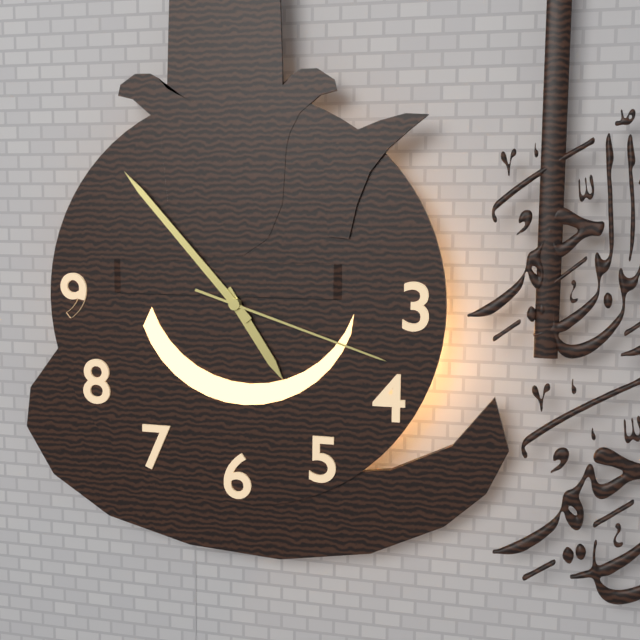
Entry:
**4:53:18**
